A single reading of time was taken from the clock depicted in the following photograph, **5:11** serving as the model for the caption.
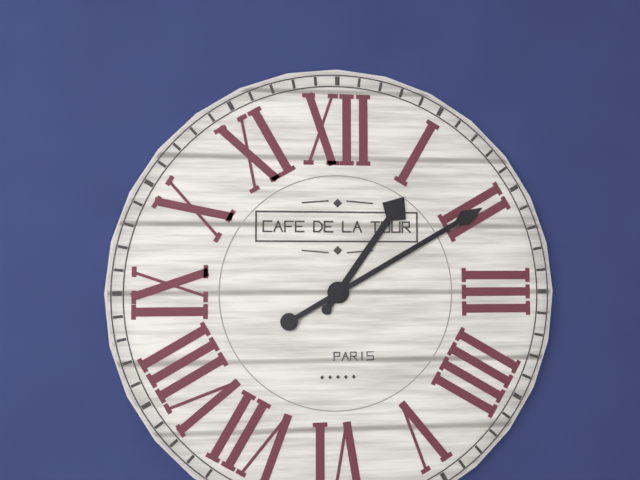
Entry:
**1:10**
